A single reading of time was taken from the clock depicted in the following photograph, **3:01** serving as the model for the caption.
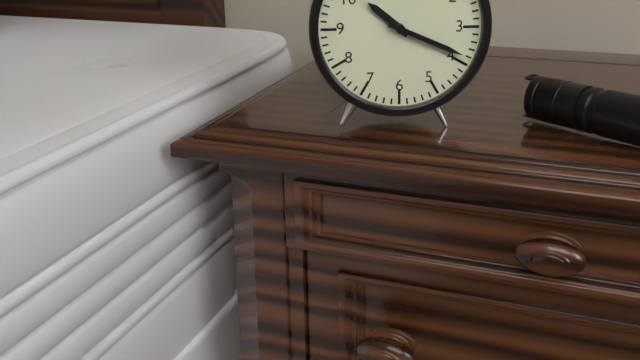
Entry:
**10:19**
